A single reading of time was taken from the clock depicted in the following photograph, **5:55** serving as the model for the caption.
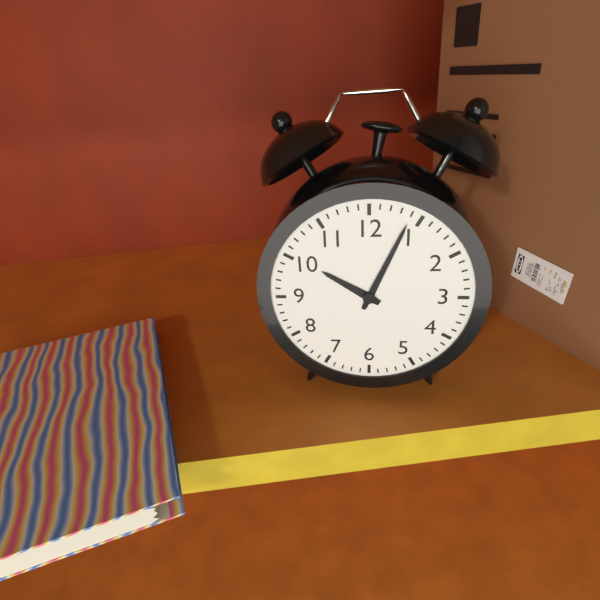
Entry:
**10:04**
